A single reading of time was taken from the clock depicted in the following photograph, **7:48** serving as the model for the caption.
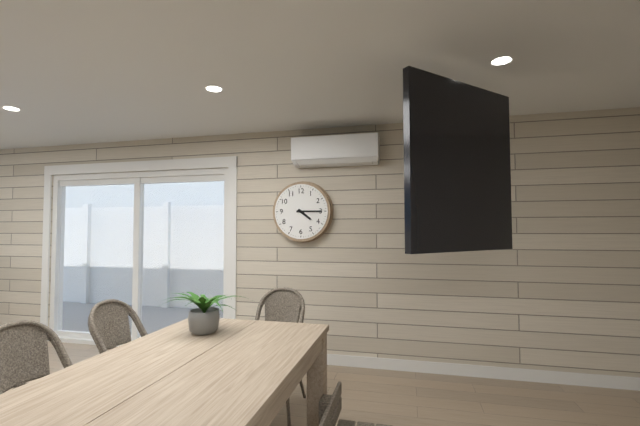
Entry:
**4:15**
